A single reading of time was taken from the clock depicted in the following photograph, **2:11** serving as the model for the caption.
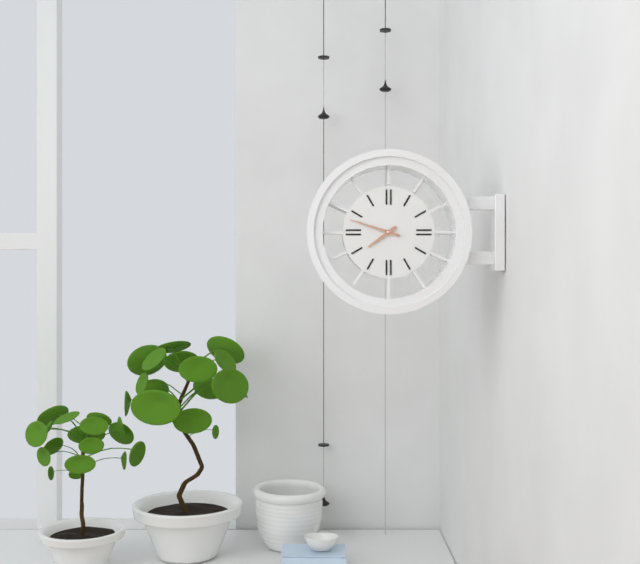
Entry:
**7:48**
